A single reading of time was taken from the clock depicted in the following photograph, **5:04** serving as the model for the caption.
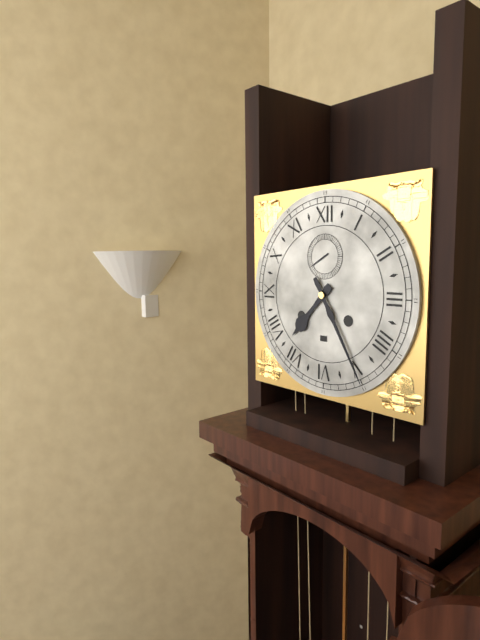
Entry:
**7:25**
